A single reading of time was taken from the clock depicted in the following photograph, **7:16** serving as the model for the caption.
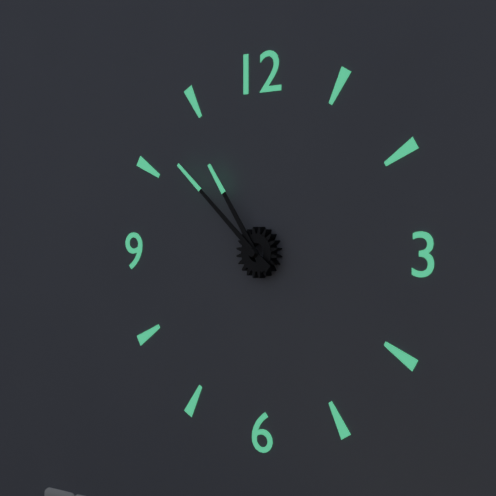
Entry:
**10:52**
